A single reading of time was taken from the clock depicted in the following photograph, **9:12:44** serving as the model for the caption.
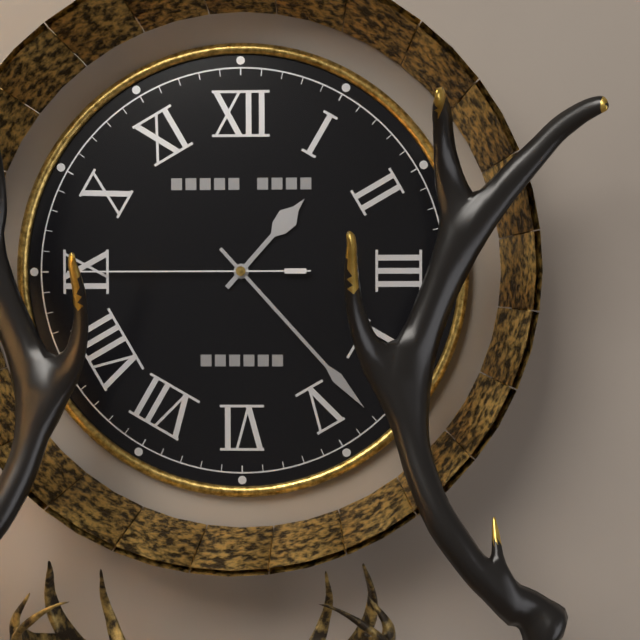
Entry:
**1:23:45**
